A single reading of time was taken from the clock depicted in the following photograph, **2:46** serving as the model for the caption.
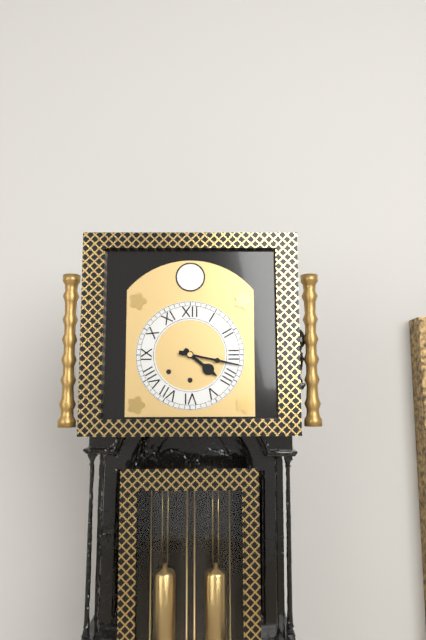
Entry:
**4:17**
